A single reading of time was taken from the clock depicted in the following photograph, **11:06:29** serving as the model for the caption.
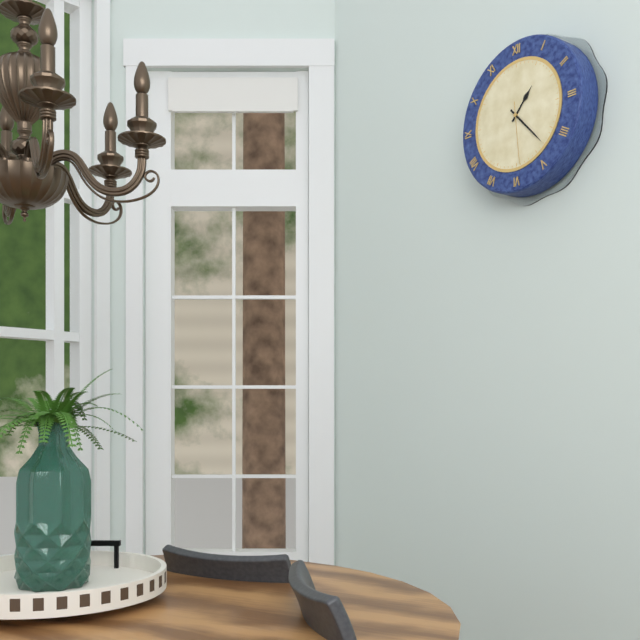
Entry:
**1:23:29**
